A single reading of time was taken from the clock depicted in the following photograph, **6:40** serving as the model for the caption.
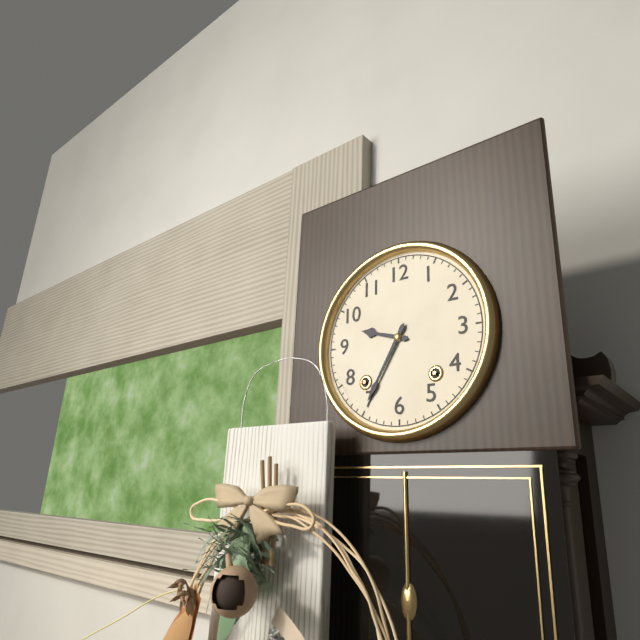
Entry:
**9:35**
